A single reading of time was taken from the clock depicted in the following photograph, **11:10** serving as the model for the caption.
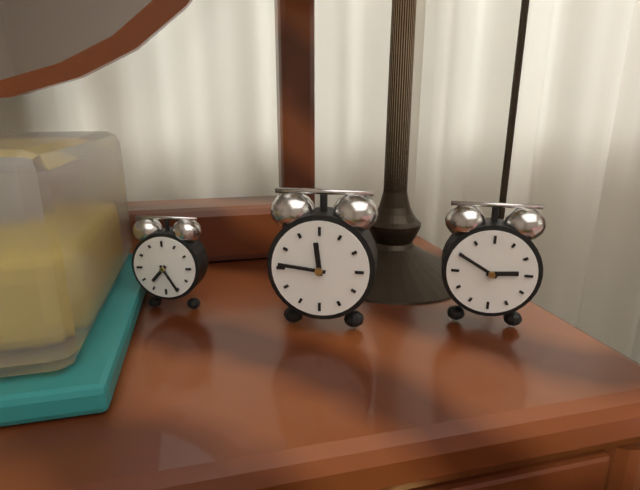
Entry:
**11:46**
